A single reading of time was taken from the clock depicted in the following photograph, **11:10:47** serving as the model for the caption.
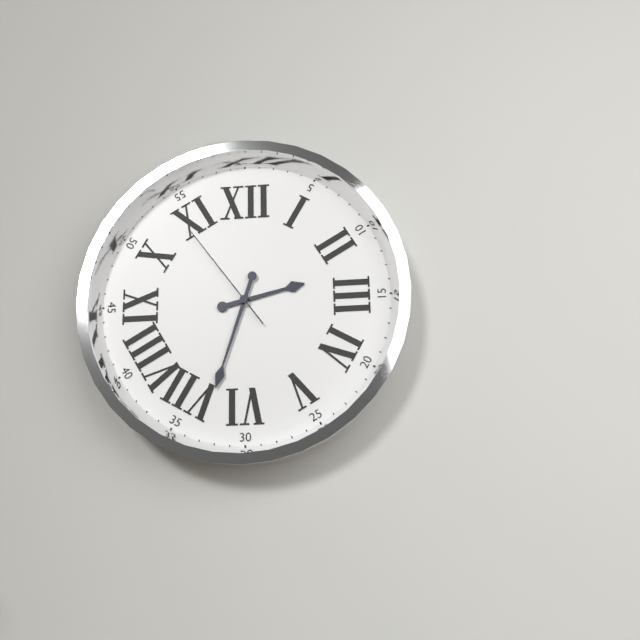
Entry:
**2:33:54**
